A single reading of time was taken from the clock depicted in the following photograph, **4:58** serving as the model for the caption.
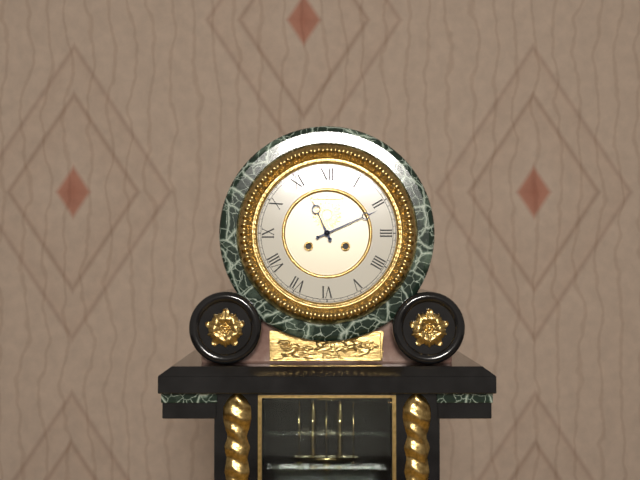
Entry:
**11:11**
